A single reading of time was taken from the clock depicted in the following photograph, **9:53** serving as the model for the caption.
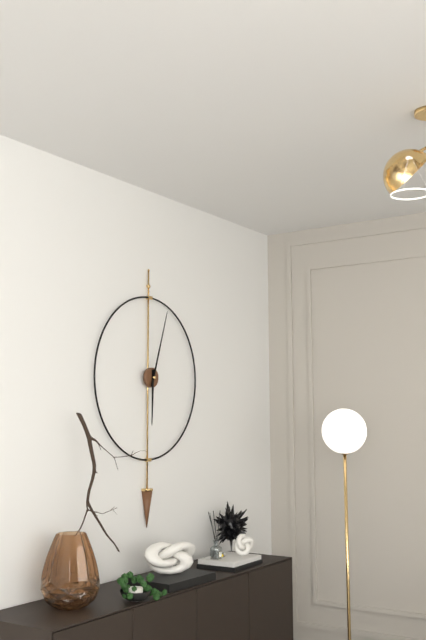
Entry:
**6:03**
